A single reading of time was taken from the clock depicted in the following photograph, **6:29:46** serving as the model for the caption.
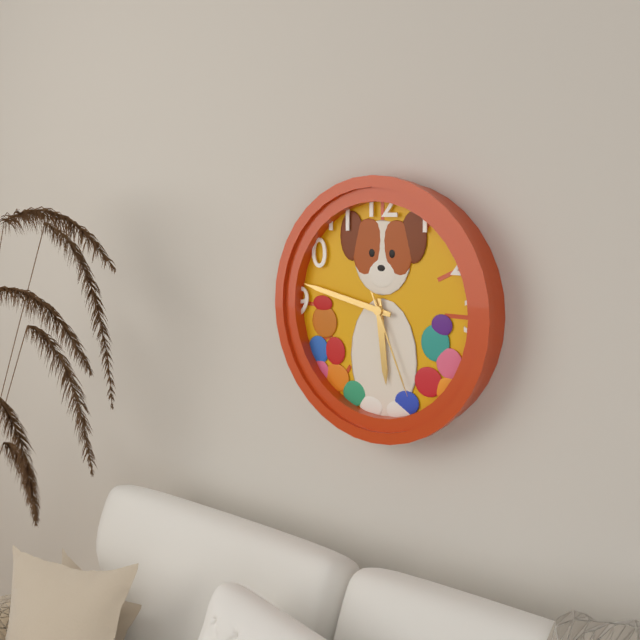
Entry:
**5:47:26**
